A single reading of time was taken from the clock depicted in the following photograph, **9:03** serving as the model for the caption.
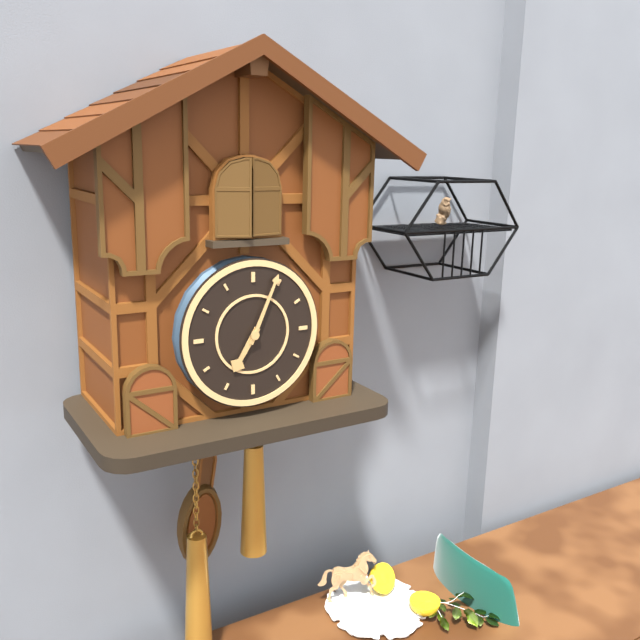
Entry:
**7:04**
